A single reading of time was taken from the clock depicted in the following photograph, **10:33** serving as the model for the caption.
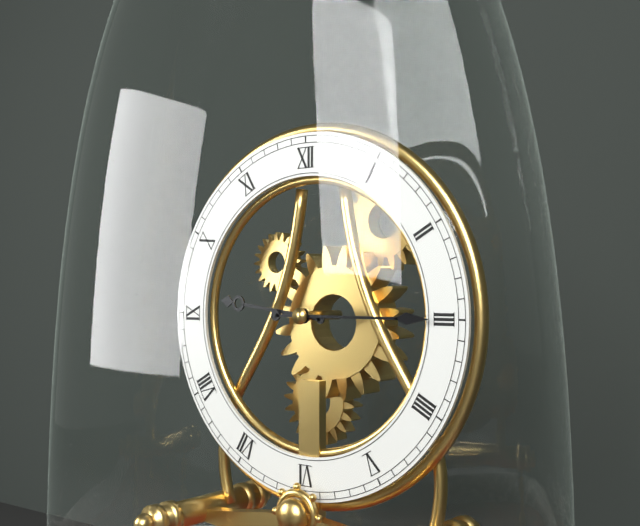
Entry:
**9:15**
